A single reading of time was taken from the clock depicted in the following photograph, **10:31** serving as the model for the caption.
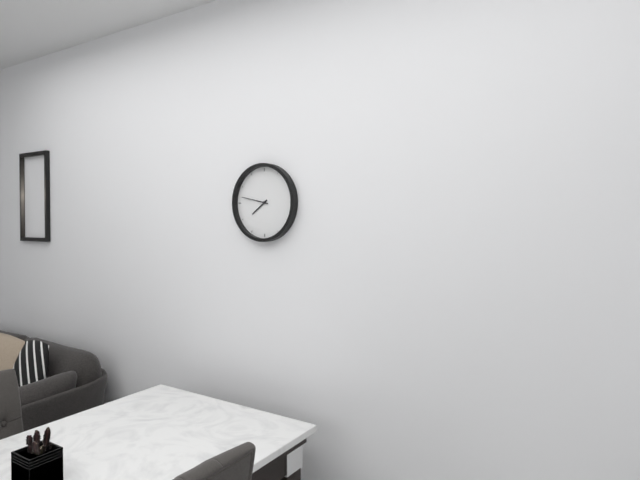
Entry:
**7:47**
